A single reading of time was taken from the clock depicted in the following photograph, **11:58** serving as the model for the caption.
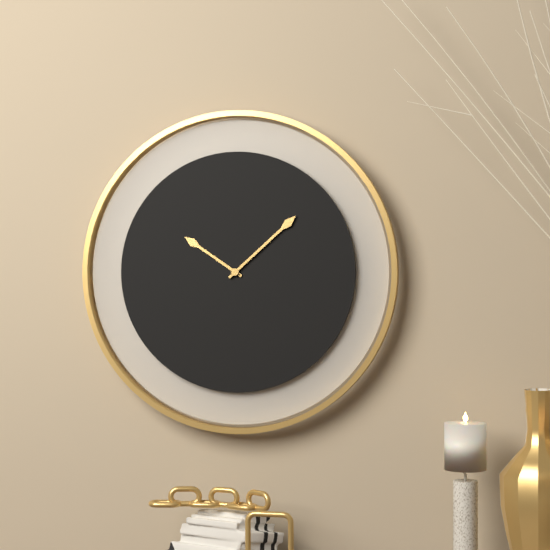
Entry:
**10:08**
